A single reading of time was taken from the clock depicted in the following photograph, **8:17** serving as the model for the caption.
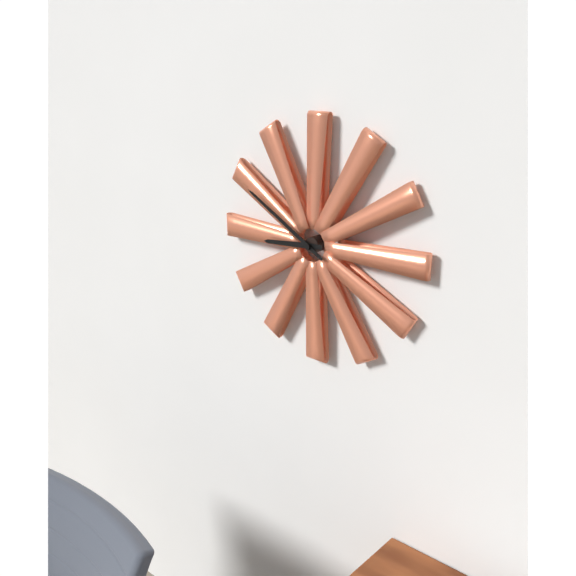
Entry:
**8:50**
